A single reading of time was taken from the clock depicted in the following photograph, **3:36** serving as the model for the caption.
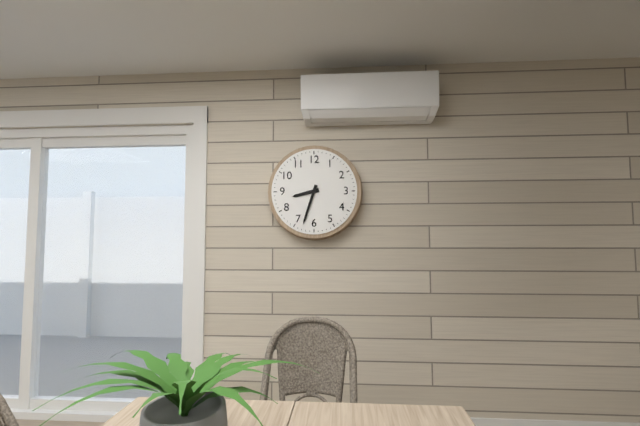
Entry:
**8:33**
